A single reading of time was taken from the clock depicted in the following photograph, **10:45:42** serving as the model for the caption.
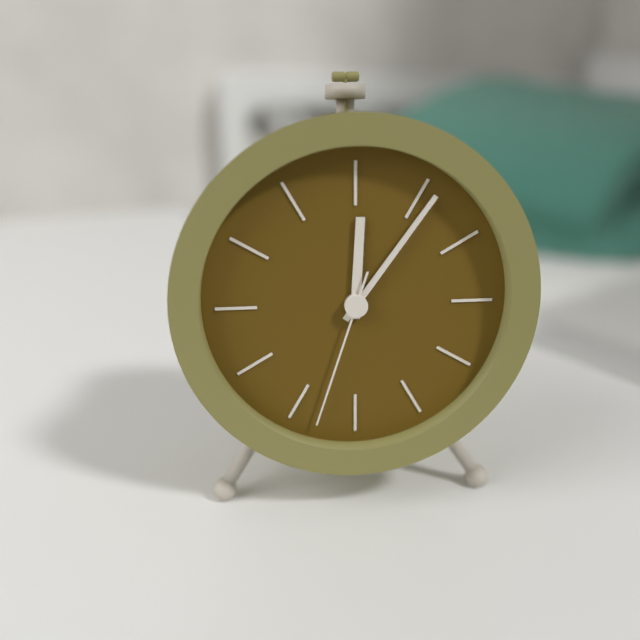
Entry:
**12:06:33**
